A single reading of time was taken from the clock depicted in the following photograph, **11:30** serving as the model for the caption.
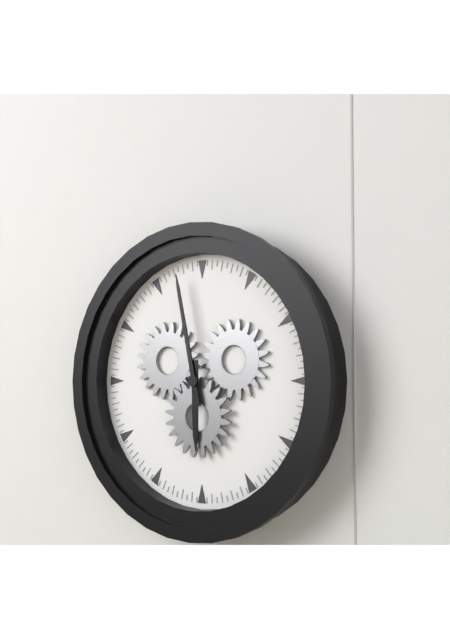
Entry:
**5:58**
